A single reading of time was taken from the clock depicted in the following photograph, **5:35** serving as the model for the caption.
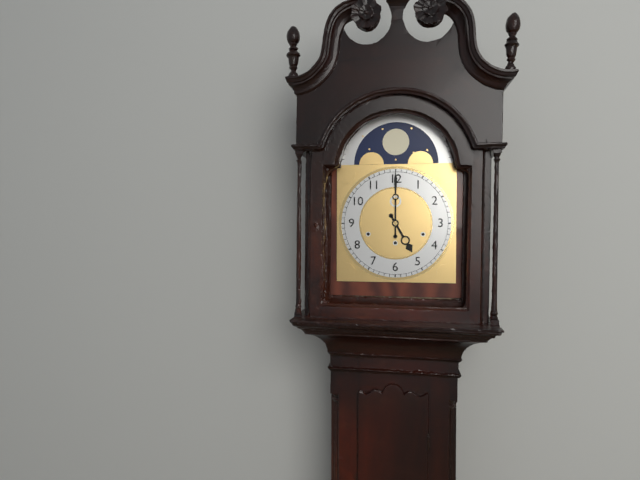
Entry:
**5:00**
